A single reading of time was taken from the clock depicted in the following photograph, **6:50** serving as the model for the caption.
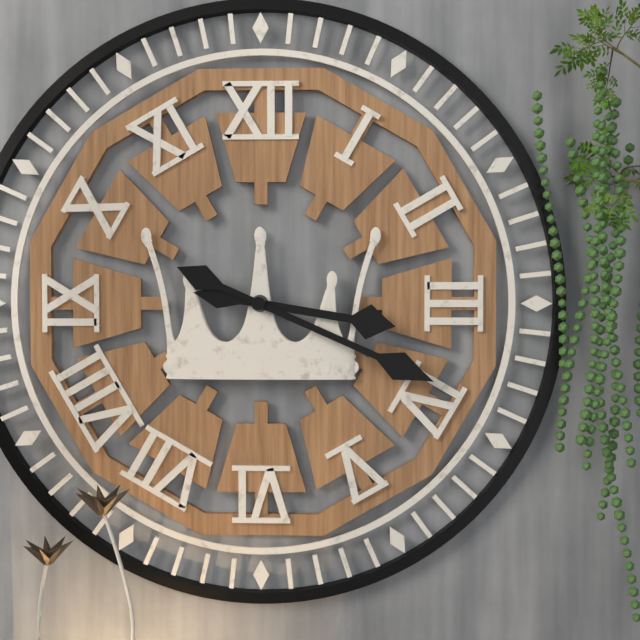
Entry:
**3:19**
